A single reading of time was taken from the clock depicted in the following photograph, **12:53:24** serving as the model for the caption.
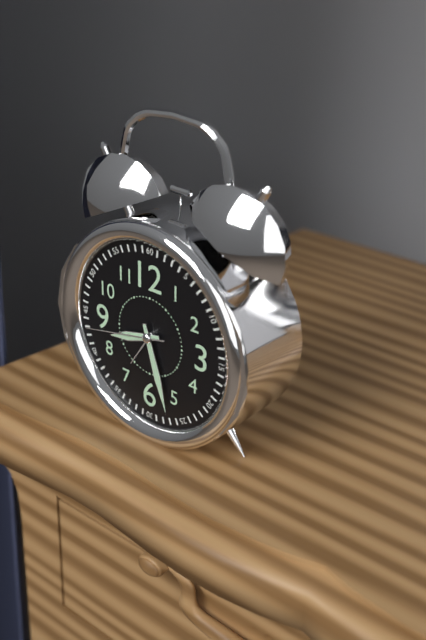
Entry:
**8:27:43**
